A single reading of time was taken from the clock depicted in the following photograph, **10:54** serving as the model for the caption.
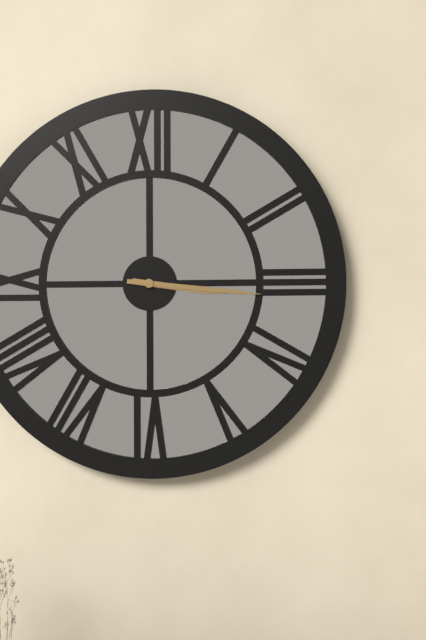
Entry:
**3:16**
